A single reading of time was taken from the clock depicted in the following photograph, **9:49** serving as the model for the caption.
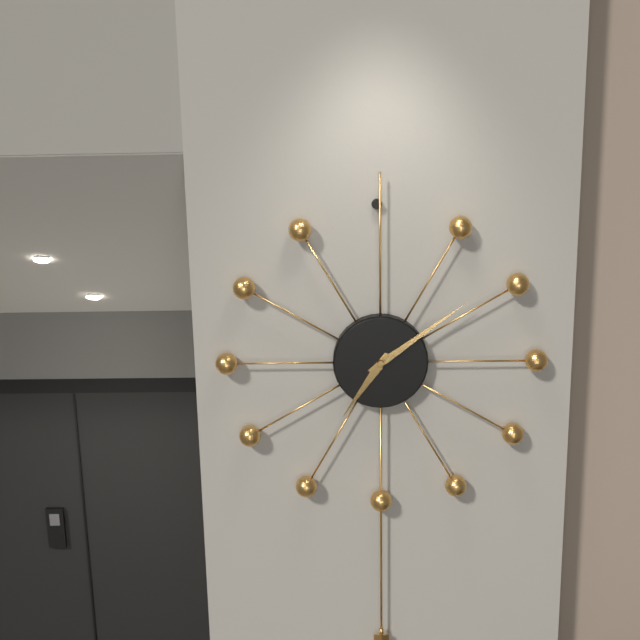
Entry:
**7:09**
